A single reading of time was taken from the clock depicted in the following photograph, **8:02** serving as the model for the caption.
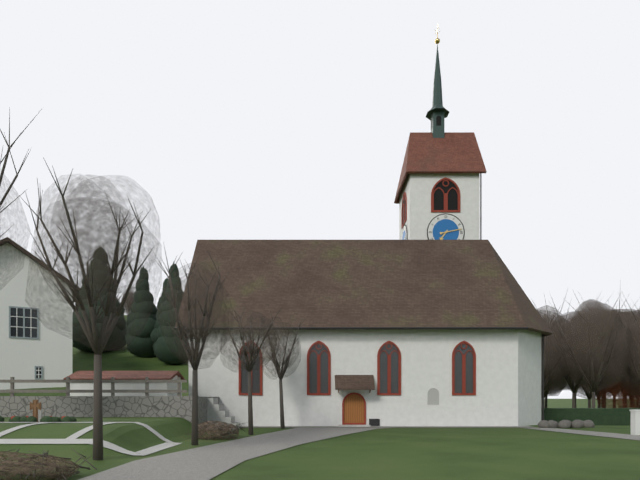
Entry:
**7:13**
